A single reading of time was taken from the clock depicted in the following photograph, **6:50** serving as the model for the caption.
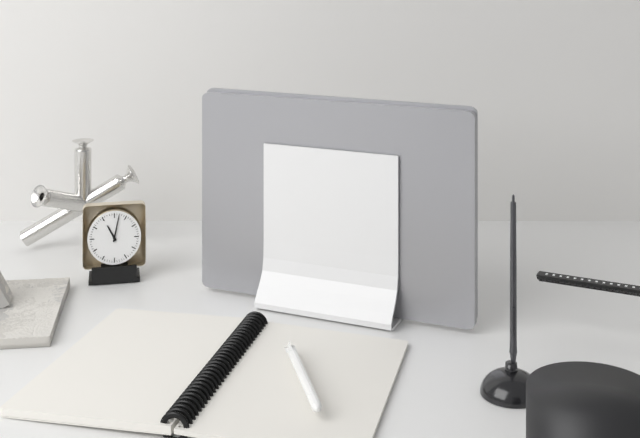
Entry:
**11:02**
